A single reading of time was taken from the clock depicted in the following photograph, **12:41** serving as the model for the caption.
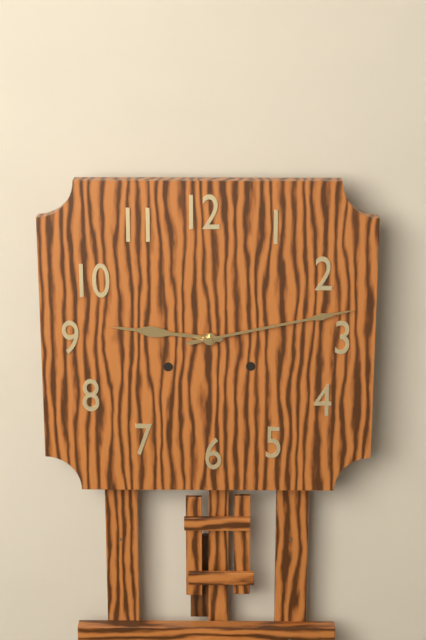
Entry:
**9:13**
